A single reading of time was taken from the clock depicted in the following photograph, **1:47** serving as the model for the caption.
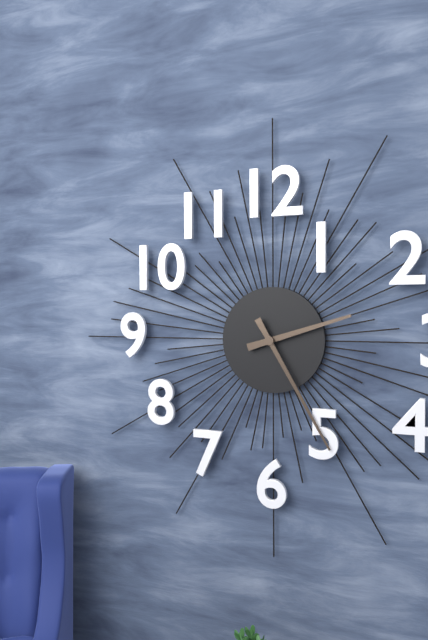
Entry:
**2:25**
